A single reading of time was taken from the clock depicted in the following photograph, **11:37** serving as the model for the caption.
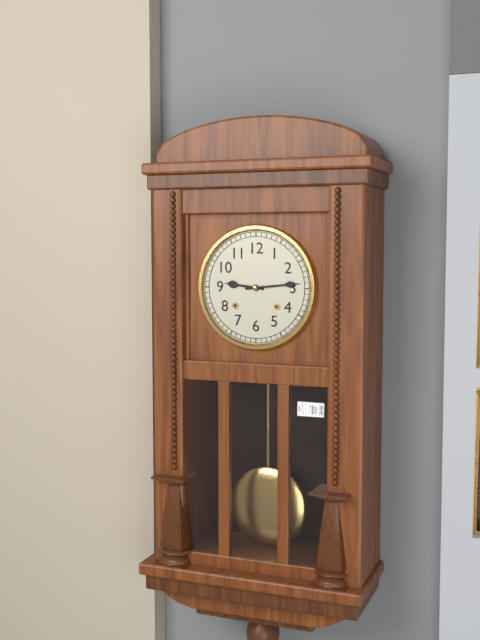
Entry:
**9:14**
